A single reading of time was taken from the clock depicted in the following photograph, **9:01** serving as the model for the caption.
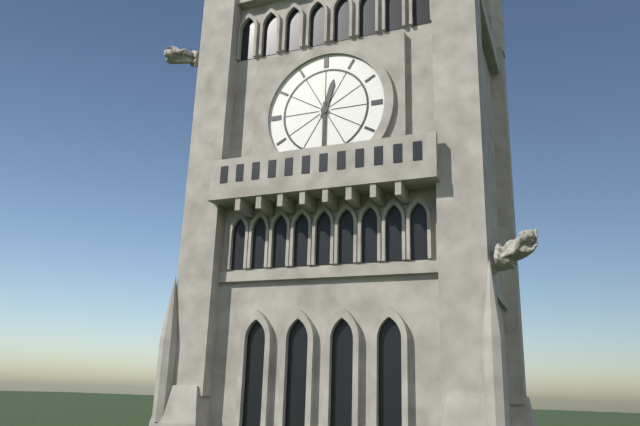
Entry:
**12:30**
